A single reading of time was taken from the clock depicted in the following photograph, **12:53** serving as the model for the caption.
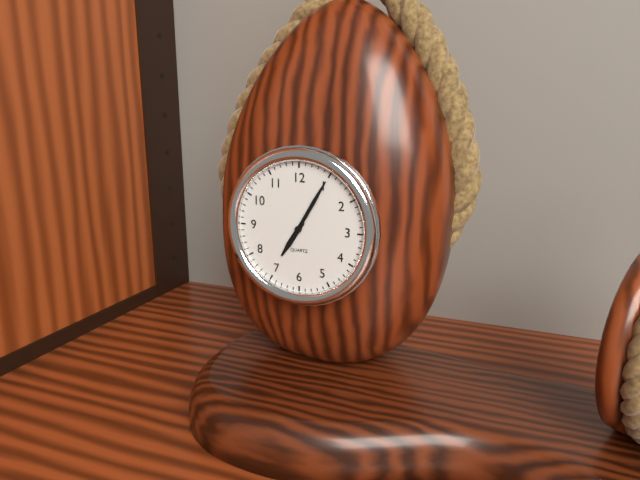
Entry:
**7:05**
